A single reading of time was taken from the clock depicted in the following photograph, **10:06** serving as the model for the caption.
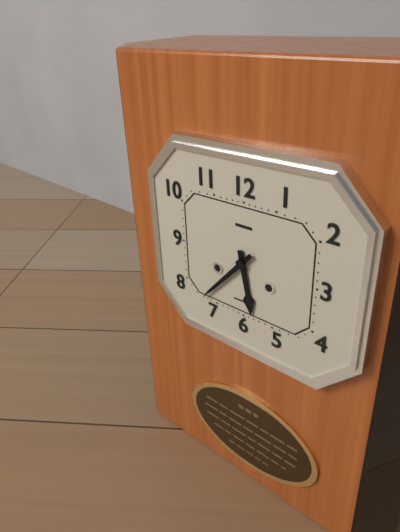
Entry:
**5:37**
